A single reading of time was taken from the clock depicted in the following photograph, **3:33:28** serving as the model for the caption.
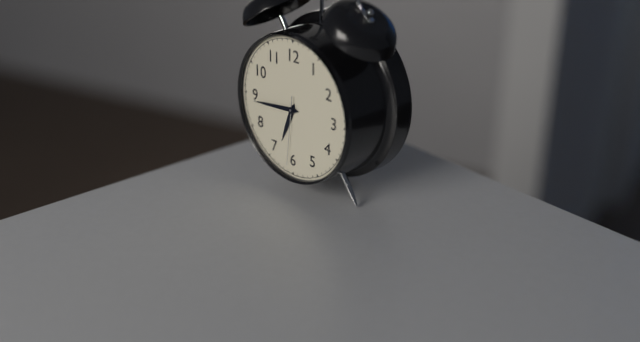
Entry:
**6:44:31**
